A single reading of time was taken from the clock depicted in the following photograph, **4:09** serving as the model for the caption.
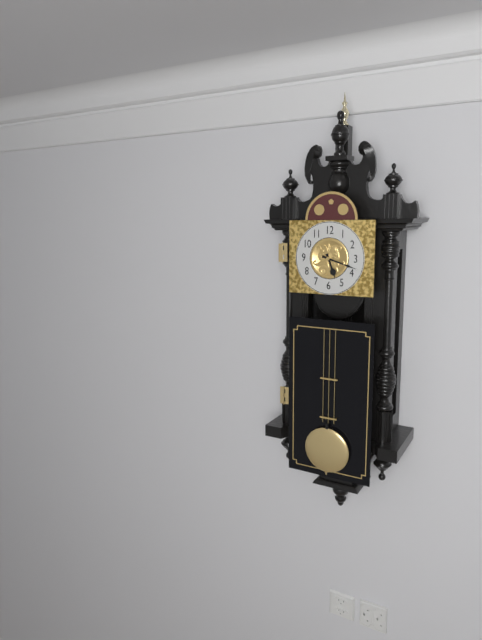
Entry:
**5:18**
